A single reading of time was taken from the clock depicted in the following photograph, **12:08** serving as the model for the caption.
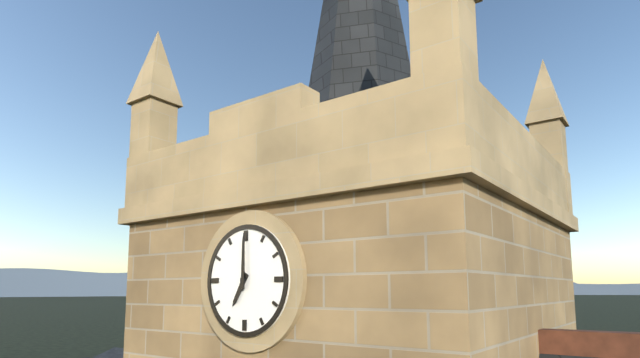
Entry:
**7:00**
